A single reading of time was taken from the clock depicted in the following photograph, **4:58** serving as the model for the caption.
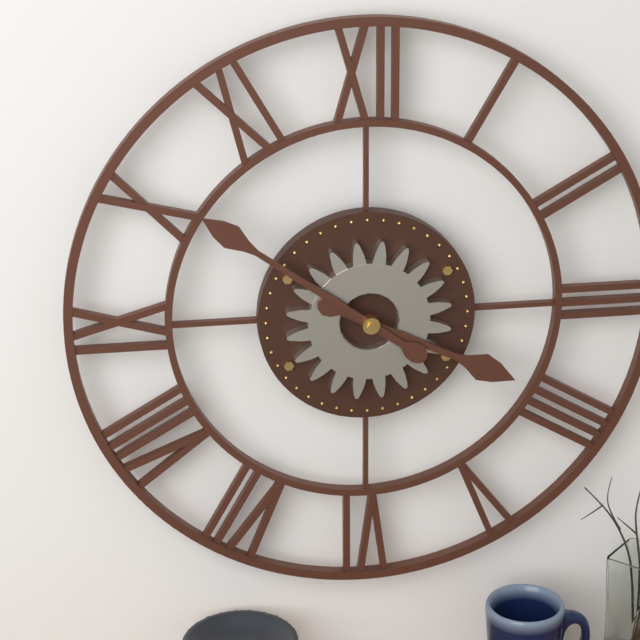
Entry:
**3:51**
